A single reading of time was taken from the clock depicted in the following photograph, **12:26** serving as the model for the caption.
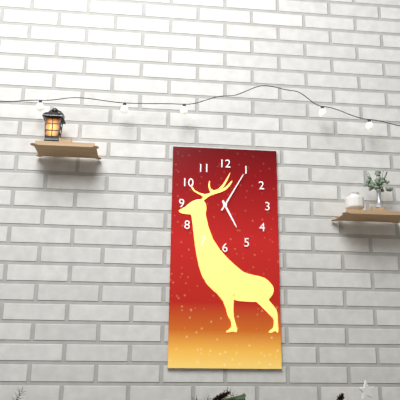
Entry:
**5:05**
